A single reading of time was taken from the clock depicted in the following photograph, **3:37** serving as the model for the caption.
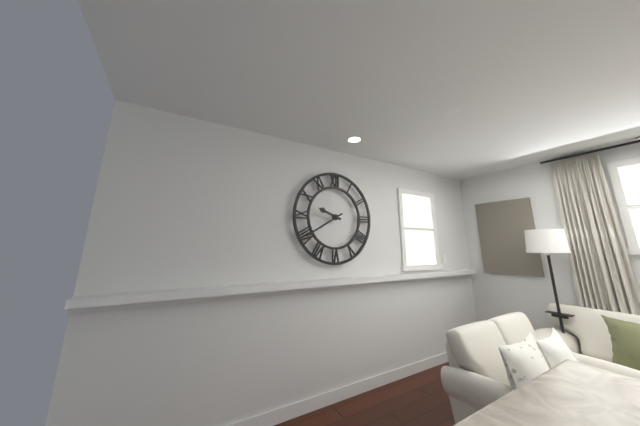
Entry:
**9:40**
